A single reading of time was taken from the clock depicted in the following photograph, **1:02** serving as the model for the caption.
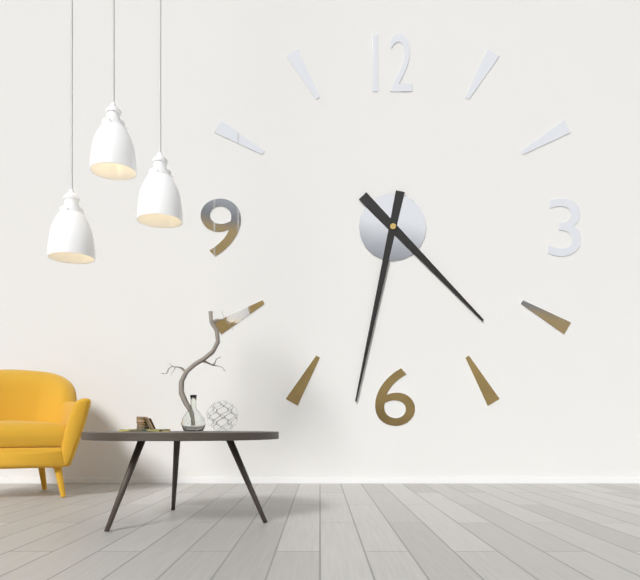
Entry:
**4:32**
